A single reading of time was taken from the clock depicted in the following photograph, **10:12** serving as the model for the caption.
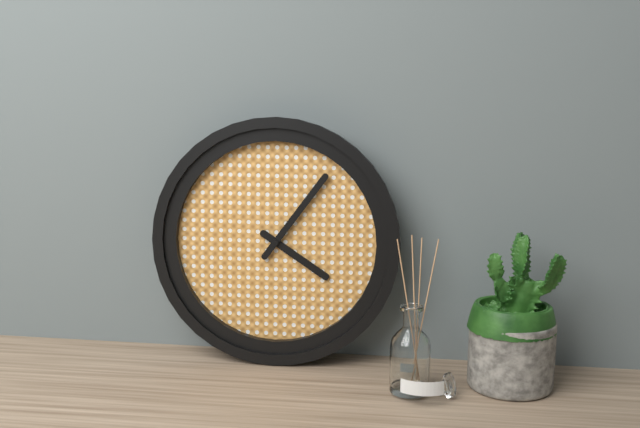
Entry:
**4:06**
